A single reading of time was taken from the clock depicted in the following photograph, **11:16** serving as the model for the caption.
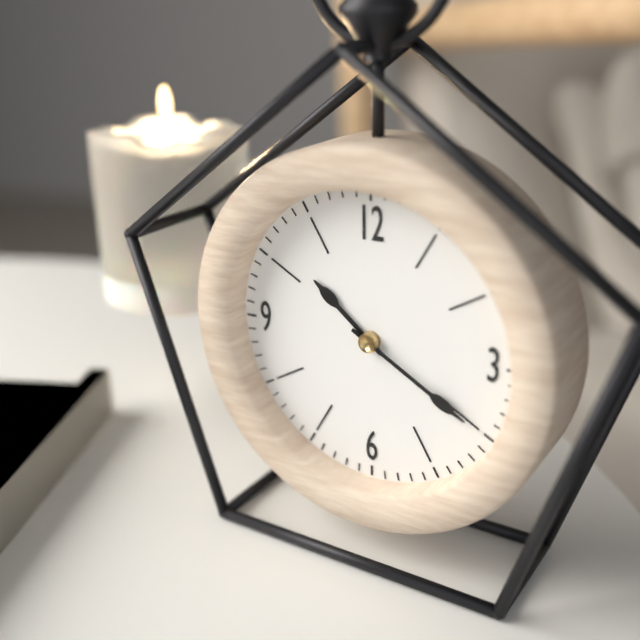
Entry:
**10:20**
